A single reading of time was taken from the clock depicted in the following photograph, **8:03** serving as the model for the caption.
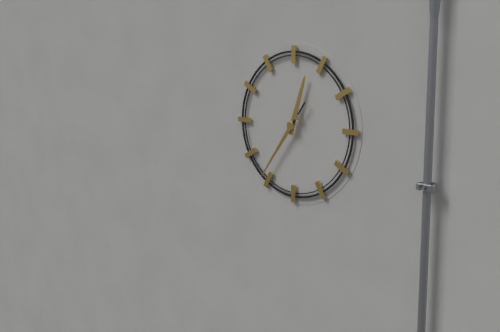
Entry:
**12:36**
